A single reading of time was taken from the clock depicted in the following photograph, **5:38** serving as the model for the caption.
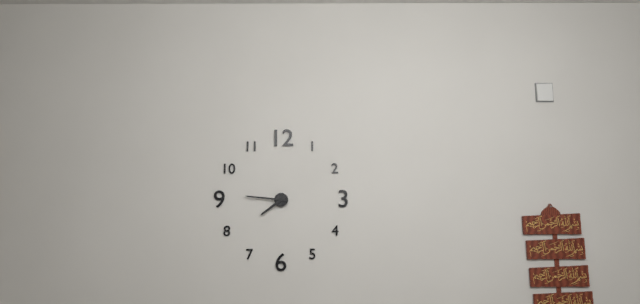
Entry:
**7:46**
